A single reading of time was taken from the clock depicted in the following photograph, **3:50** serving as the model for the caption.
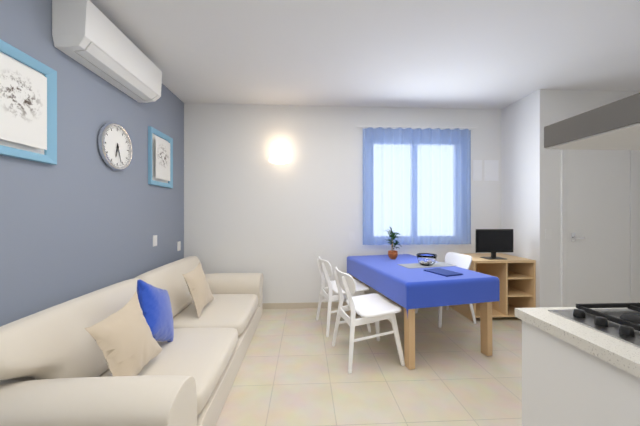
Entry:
**6:27**
